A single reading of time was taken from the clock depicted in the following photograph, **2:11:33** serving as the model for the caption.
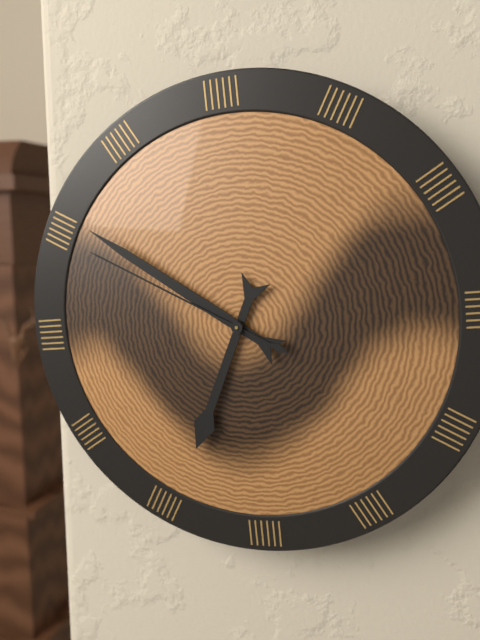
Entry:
**6:51:50**
